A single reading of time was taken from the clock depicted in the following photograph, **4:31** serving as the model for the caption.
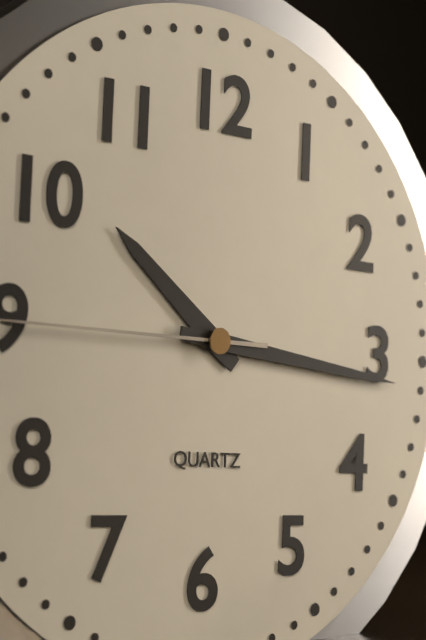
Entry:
**10:16**
